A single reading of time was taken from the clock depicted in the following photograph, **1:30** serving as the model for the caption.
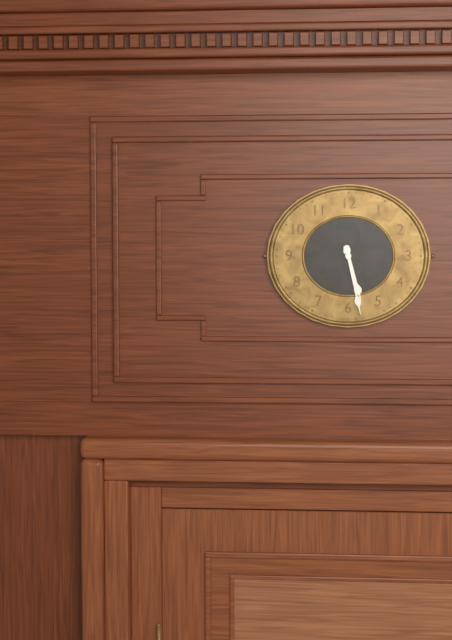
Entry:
**5:28**
